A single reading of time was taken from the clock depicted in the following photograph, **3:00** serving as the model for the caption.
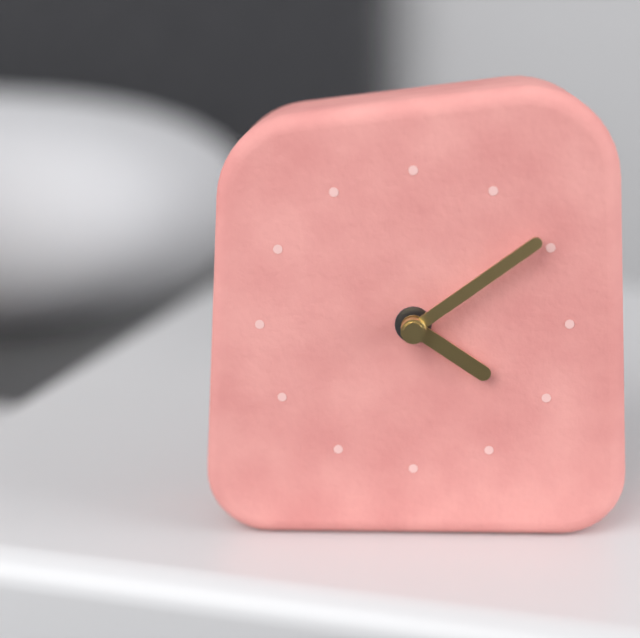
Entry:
**4:09**
